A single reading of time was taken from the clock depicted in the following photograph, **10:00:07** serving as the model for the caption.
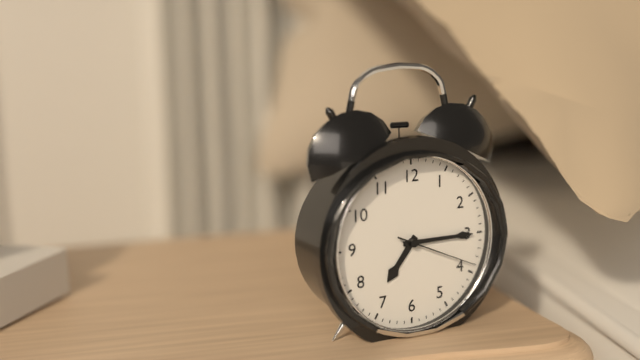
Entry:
**7:15:19**
